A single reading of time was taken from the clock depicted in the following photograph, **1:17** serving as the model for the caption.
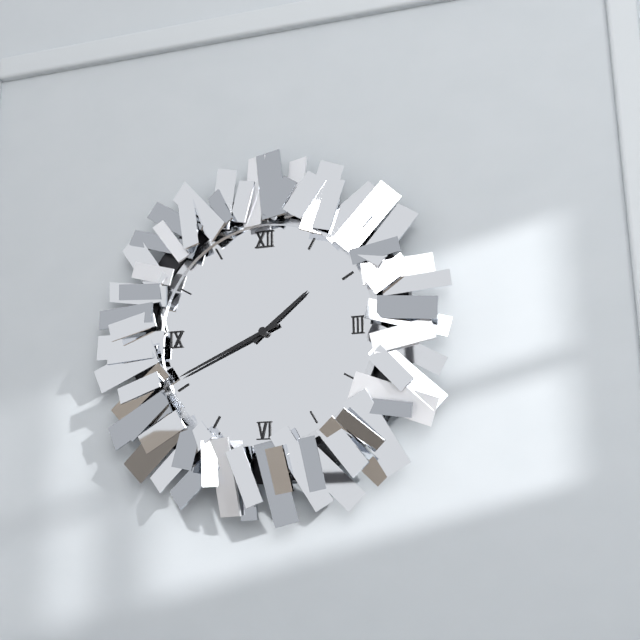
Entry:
**1:41**
